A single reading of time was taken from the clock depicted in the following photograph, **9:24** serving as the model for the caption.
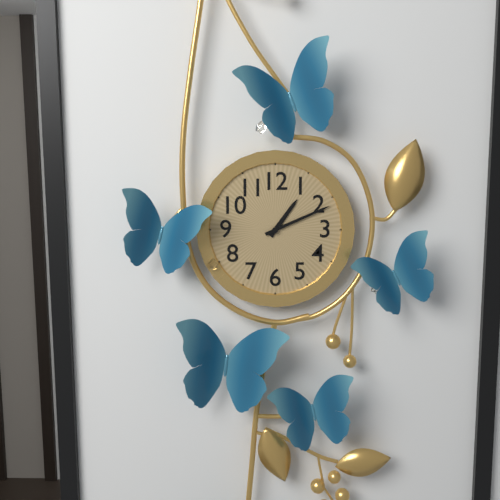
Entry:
**1:11**
